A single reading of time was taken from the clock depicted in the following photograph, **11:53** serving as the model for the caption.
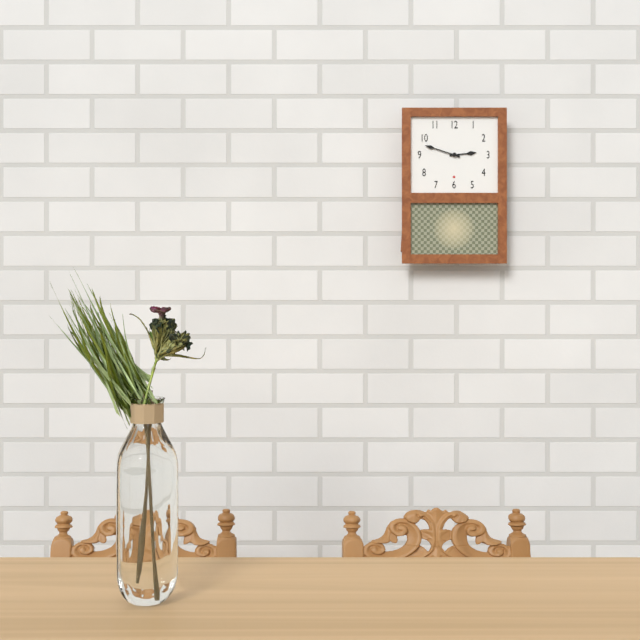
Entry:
**2:48**
